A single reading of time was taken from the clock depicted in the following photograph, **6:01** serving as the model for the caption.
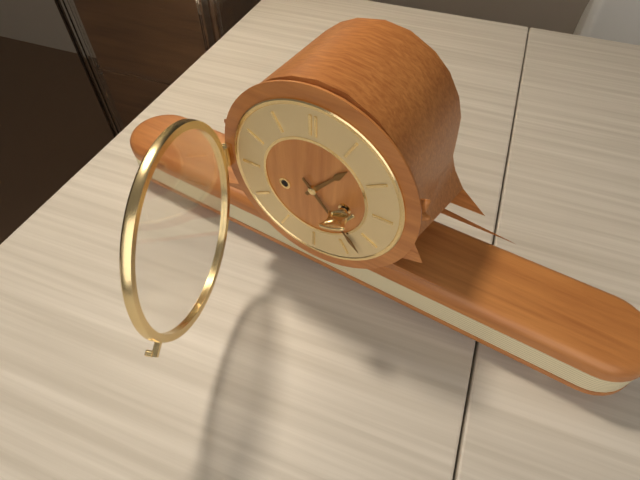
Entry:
**1:23**
